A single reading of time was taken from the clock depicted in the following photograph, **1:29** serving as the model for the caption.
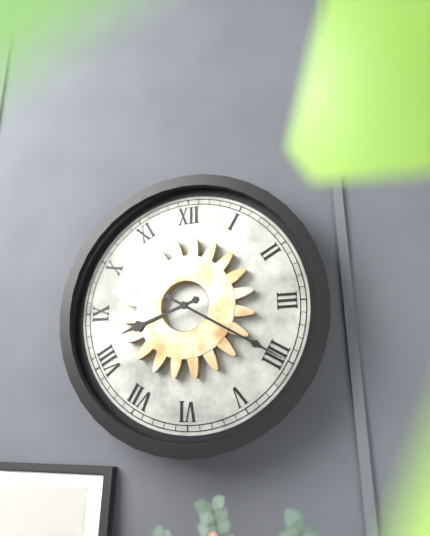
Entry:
**8:20**
